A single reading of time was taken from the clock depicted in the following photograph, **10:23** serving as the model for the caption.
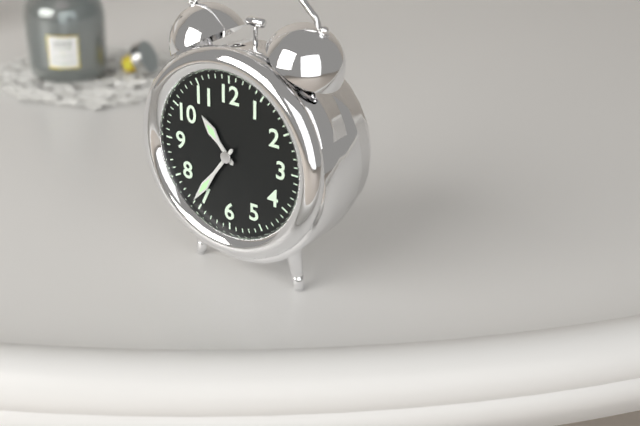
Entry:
**10:36**
